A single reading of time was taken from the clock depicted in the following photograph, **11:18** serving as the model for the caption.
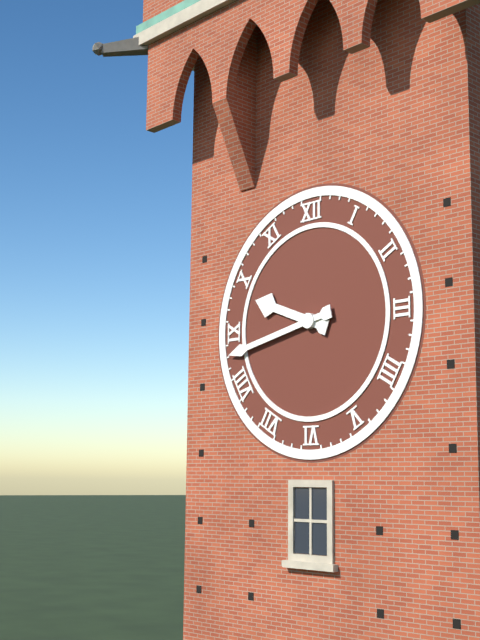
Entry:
**9:43**
